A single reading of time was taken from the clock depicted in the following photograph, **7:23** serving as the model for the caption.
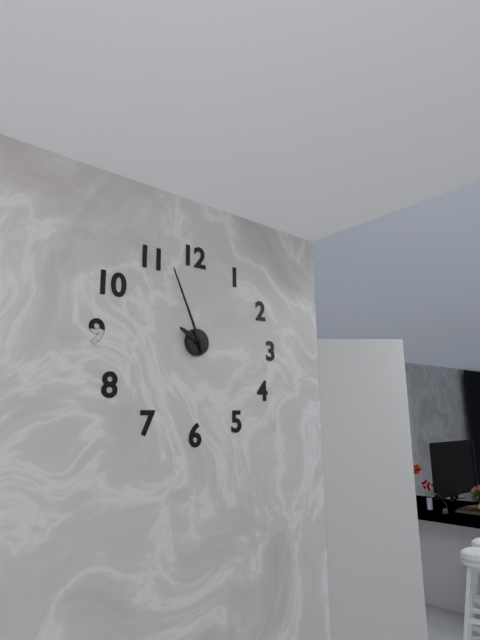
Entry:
**9:56**
